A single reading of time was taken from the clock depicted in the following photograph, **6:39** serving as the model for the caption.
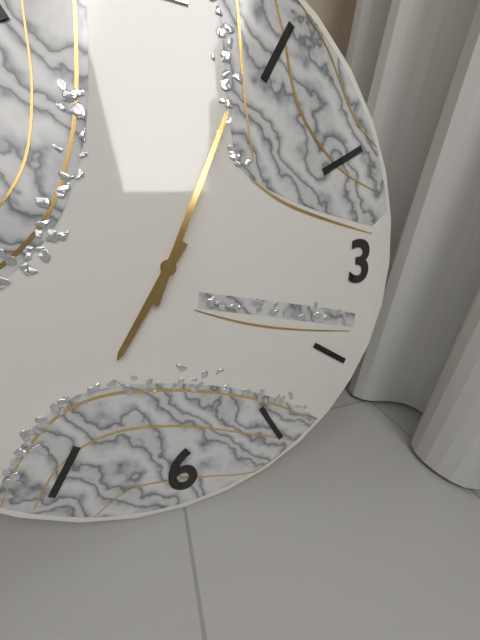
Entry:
**7:04**
